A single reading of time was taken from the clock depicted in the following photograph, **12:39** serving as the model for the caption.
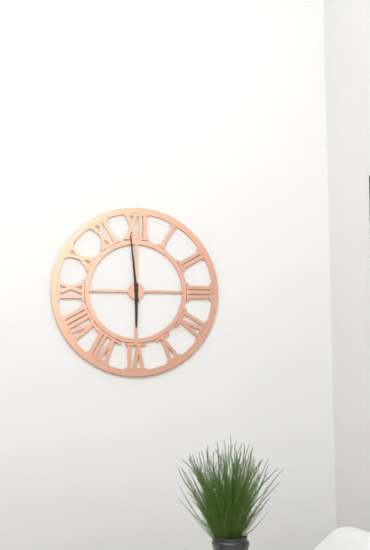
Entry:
**5:59**
